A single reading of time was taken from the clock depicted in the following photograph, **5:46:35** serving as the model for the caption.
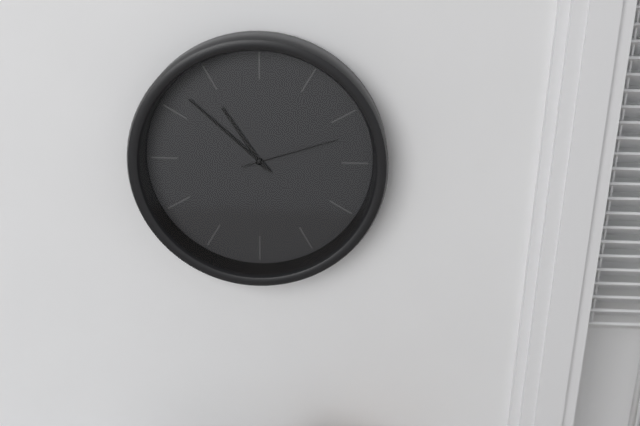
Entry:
**10:52:12**
